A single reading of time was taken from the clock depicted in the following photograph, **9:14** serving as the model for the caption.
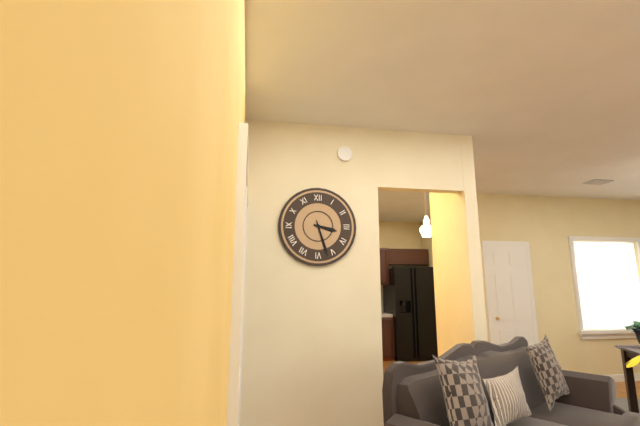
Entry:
**3:27**
